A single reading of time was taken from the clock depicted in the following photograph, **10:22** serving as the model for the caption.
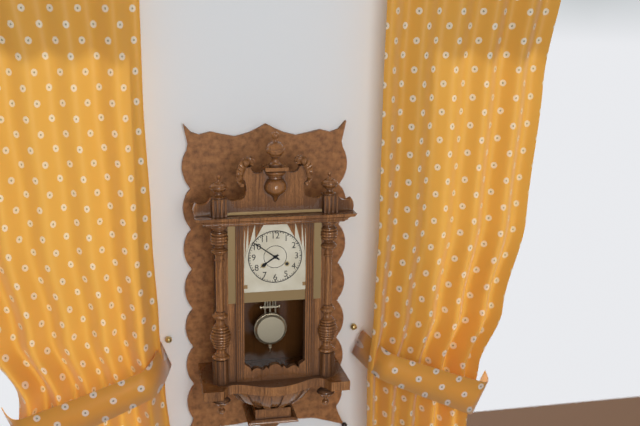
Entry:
**7:51**
